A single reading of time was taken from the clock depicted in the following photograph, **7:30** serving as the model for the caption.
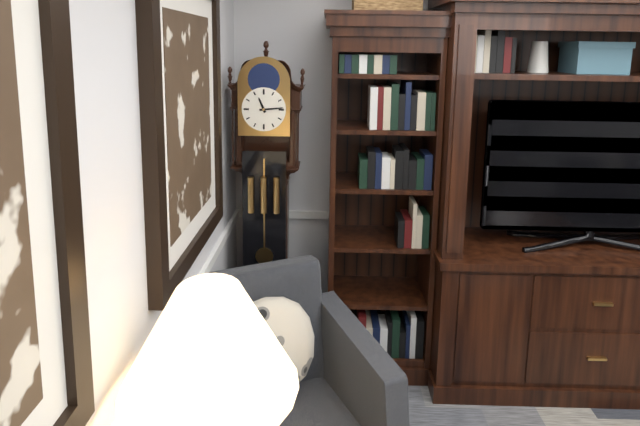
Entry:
**11:14**
